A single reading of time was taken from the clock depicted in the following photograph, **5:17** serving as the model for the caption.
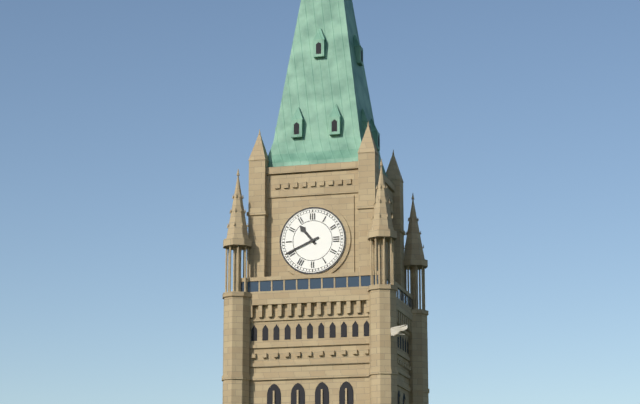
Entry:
**10:41**
